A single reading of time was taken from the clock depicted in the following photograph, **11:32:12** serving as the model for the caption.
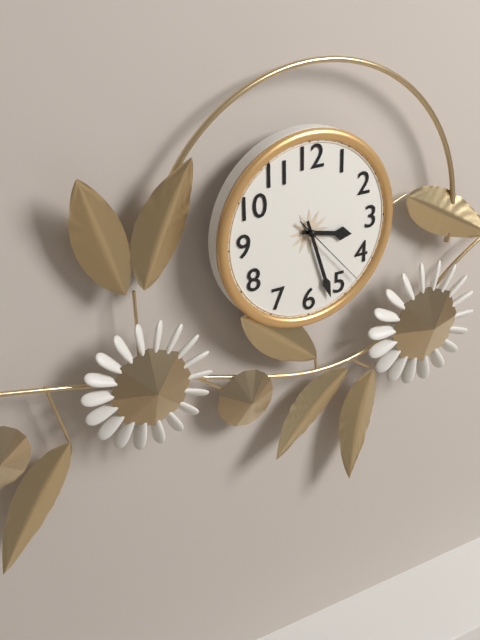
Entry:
**3:27:23**
